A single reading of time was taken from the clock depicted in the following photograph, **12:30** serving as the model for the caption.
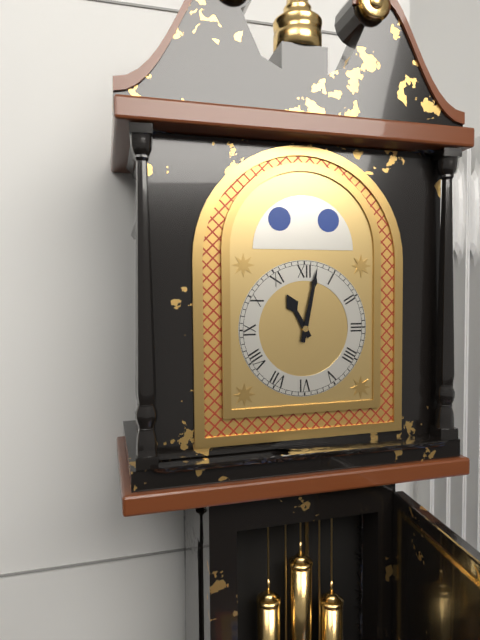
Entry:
**11:02**
